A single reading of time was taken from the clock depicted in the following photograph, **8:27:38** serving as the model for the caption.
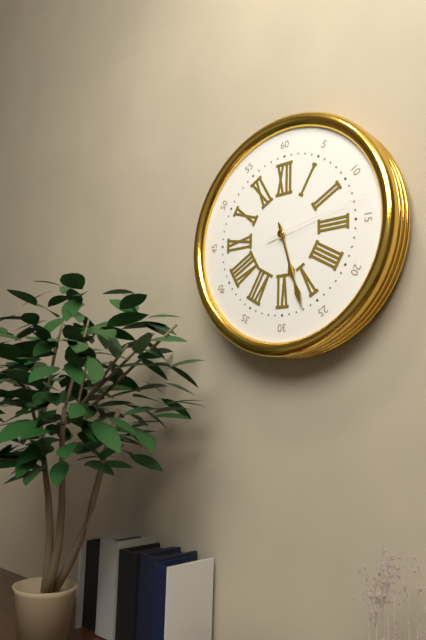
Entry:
**5:27:13**
